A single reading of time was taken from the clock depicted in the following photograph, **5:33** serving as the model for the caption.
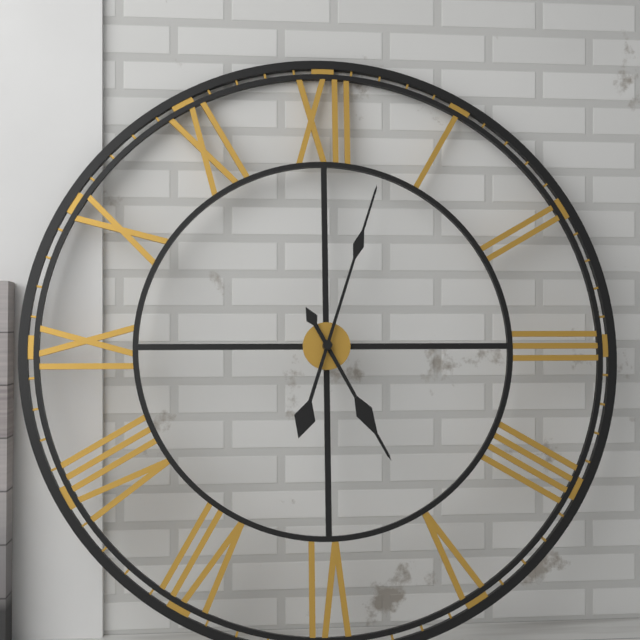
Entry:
**5:03**
